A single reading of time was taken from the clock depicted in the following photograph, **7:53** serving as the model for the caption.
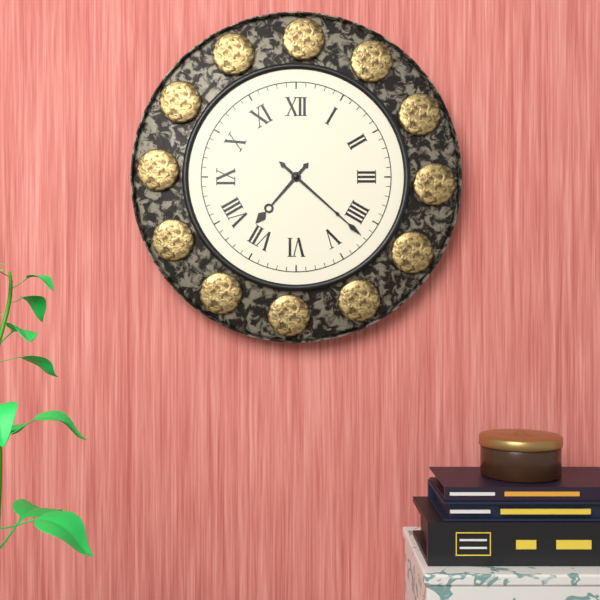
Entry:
**7:22**
